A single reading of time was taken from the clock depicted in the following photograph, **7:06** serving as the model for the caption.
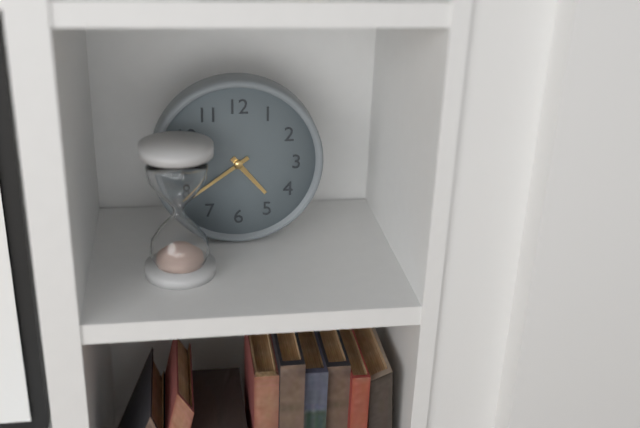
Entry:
**4:39**
